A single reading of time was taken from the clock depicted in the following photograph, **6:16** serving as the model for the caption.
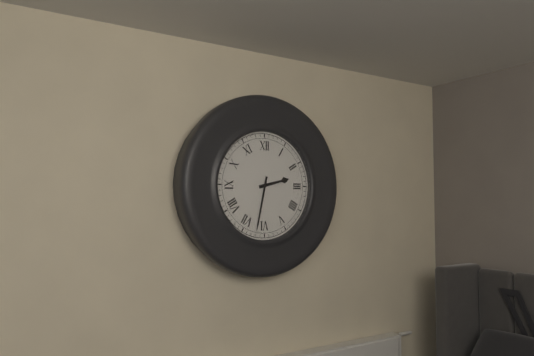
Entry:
**2:32**
